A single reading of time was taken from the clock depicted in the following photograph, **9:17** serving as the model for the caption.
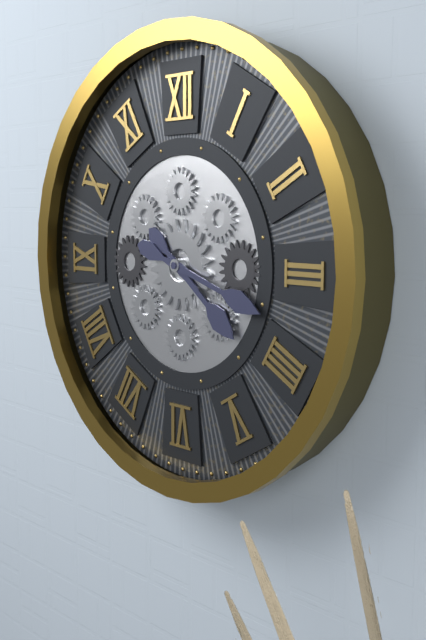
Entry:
**4:18**
